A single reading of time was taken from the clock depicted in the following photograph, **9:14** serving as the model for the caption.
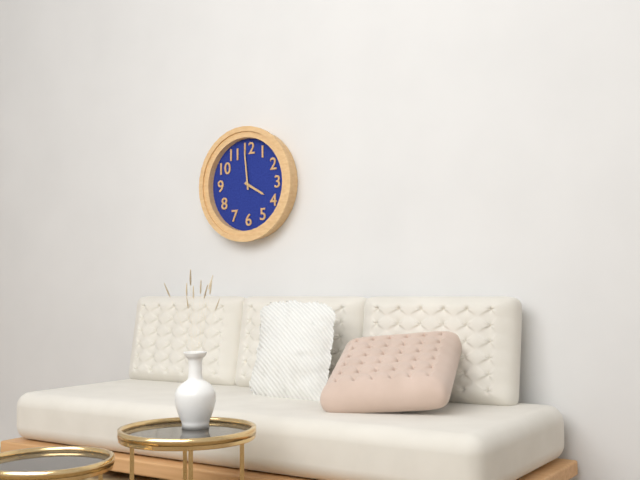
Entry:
**3:59**
